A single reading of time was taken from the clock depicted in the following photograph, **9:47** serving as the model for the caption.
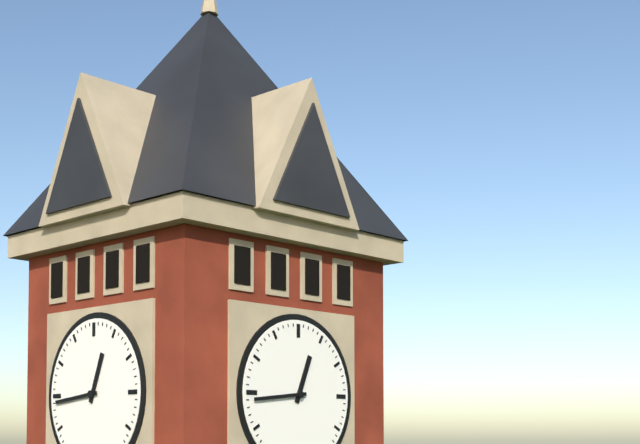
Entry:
**12:44**
